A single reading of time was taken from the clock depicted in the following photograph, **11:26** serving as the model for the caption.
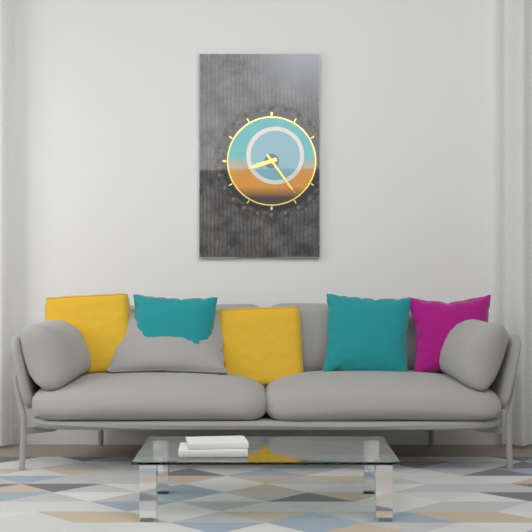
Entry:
**8:24**
